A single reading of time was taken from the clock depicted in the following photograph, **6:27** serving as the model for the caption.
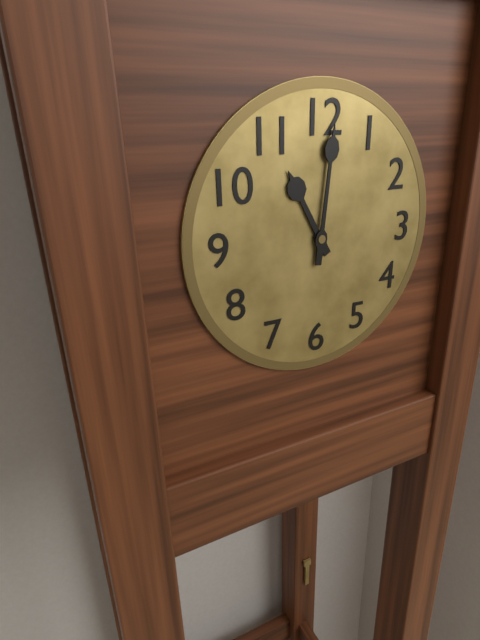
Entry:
**11:01**
